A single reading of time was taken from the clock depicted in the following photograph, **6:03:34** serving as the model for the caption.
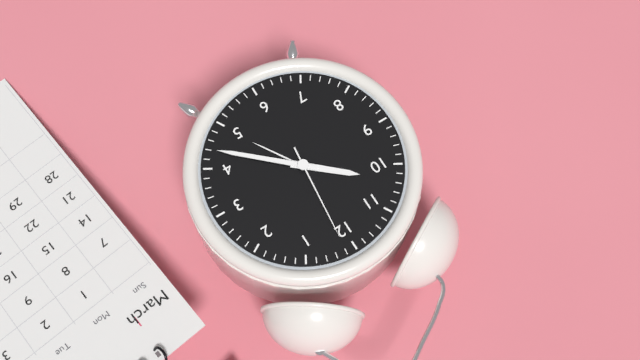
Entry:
**10:22:01**
